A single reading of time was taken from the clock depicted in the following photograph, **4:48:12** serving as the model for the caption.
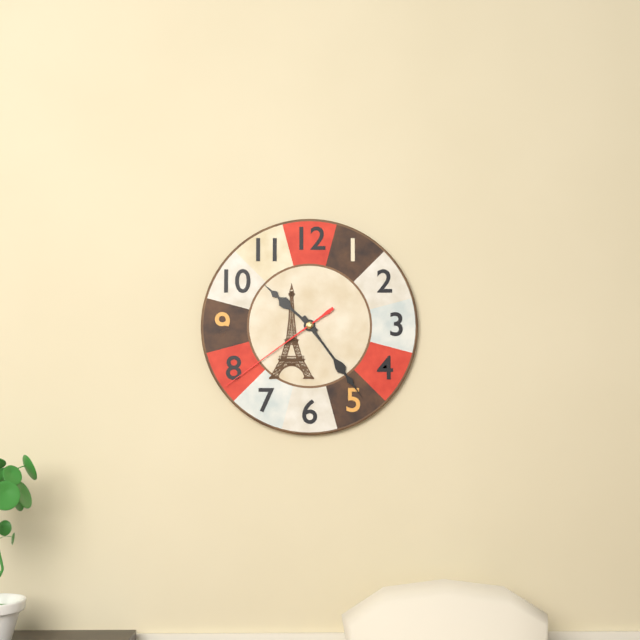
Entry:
**10:24:39**
